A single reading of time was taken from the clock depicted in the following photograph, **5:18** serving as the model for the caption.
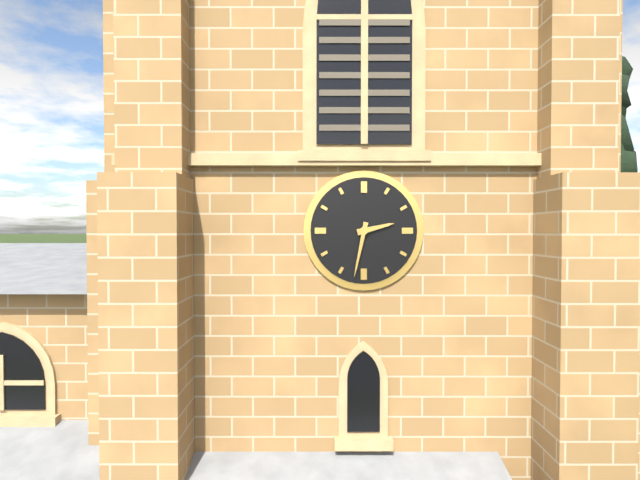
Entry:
**2:32**
